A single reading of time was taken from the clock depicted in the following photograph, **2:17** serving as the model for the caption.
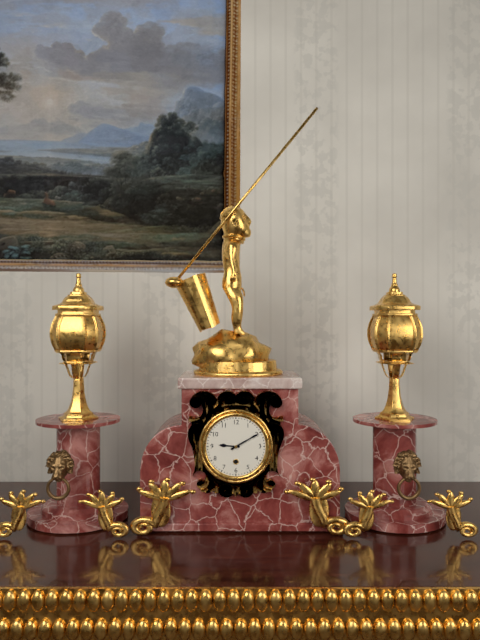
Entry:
**9:10**
